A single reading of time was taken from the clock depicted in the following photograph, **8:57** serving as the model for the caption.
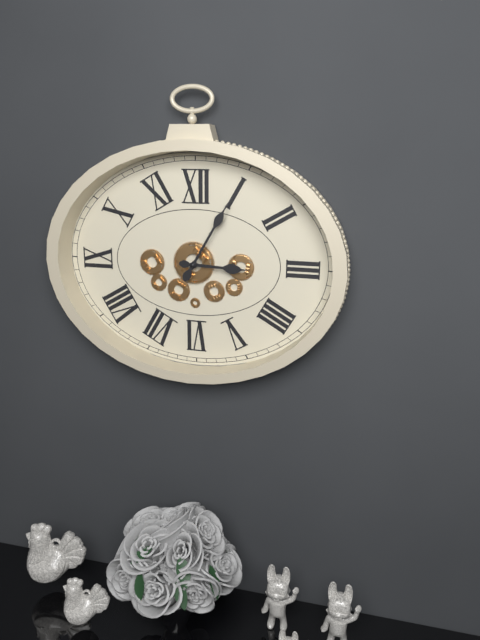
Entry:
**3:05**
